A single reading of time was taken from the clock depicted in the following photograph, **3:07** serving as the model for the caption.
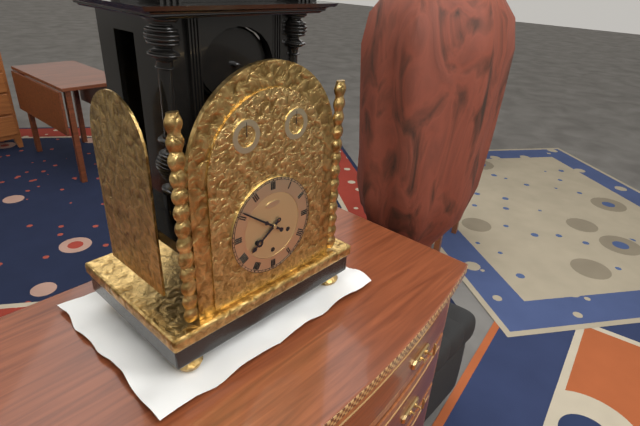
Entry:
**7:51**
